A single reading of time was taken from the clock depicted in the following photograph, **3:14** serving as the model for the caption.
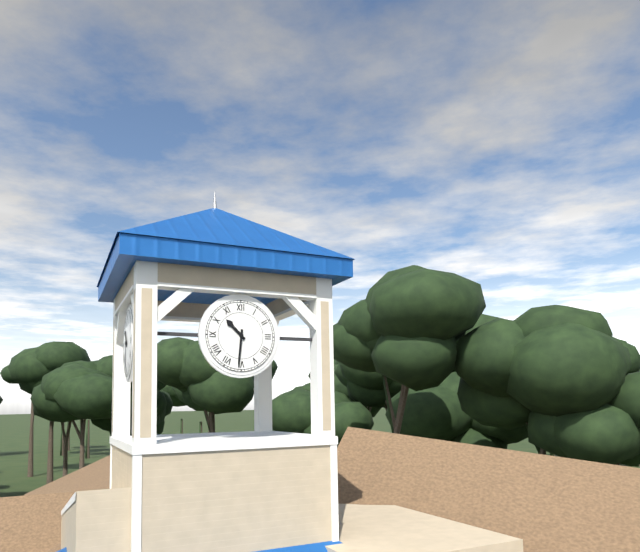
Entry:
**10:31**
